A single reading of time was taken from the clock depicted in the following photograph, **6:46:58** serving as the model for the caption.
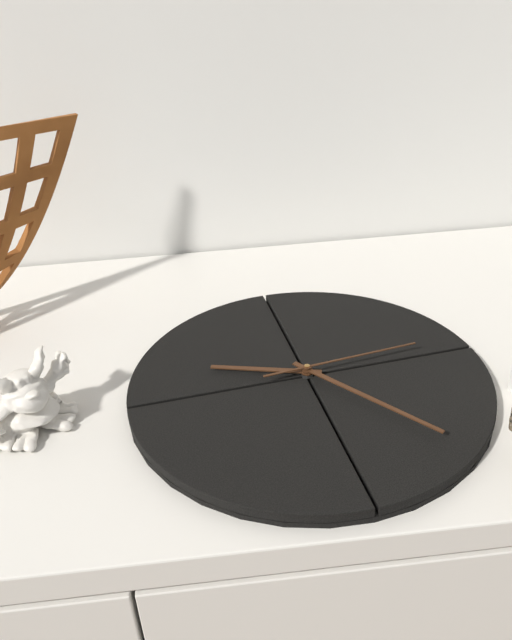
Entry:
**10:28:18**
